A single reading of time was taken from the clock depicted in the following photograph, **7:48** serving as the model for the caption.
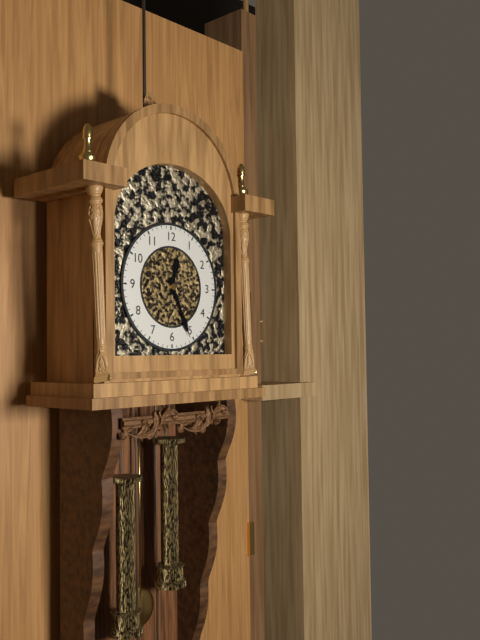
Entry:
**12:26**
